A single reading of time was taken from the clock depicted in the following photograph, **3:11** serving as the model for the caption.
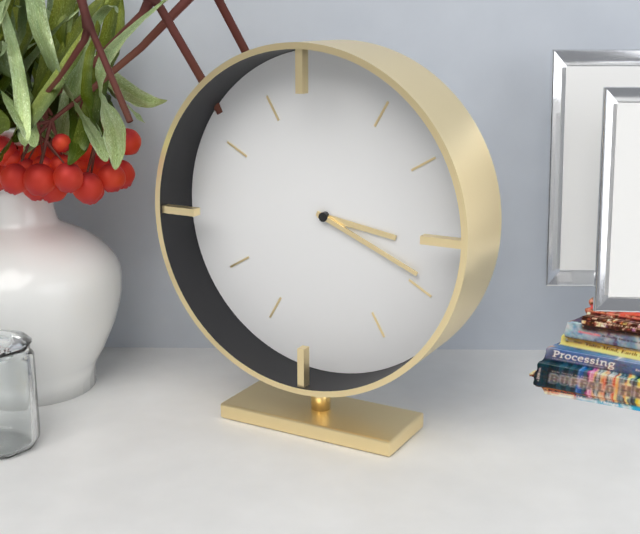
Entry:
**3:19**
